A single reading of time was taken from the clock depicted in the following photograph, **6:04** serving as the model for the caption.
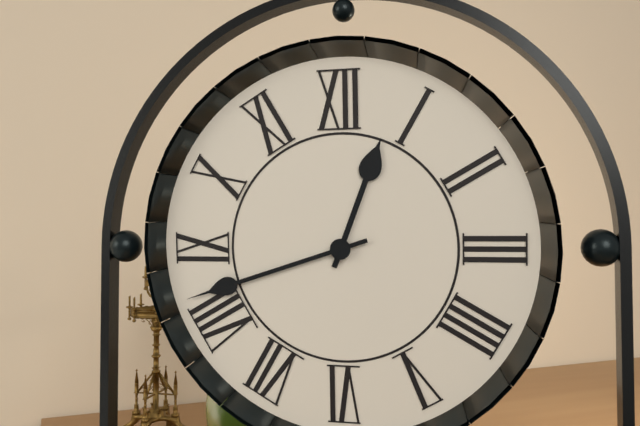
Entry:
**12:42**
